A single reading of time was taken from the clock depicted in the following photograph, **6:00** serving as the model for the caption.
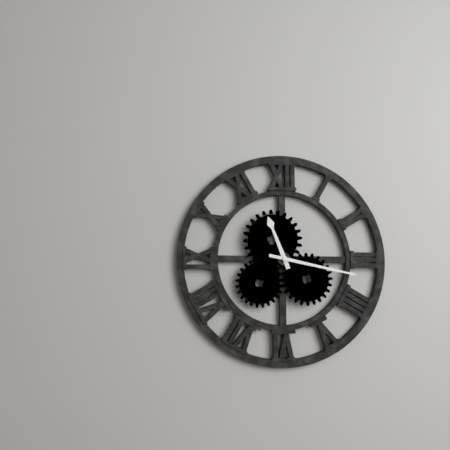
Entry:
**11:17**
